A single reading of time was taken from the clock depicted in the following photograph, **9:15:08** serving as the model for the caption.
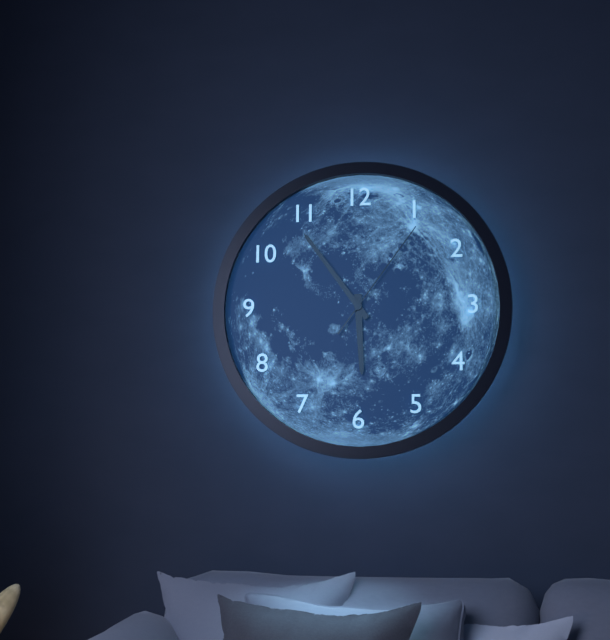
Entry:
**5:54:06**
